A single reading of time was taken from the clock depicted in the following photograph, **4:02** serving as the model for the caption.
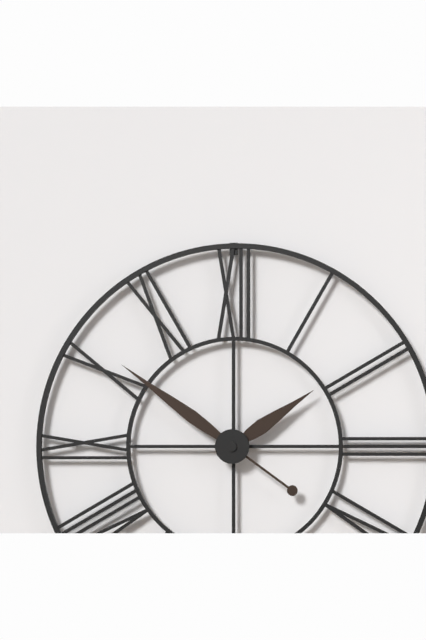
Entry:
**1:51**
